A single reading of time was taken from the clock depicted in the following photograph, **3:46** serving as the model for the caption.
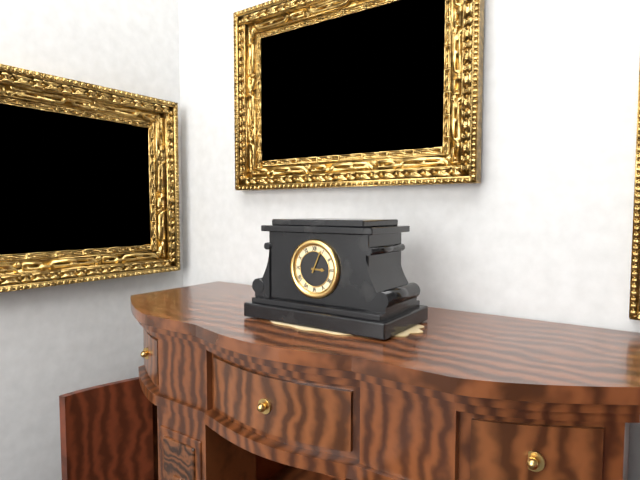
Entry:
**3:04**
